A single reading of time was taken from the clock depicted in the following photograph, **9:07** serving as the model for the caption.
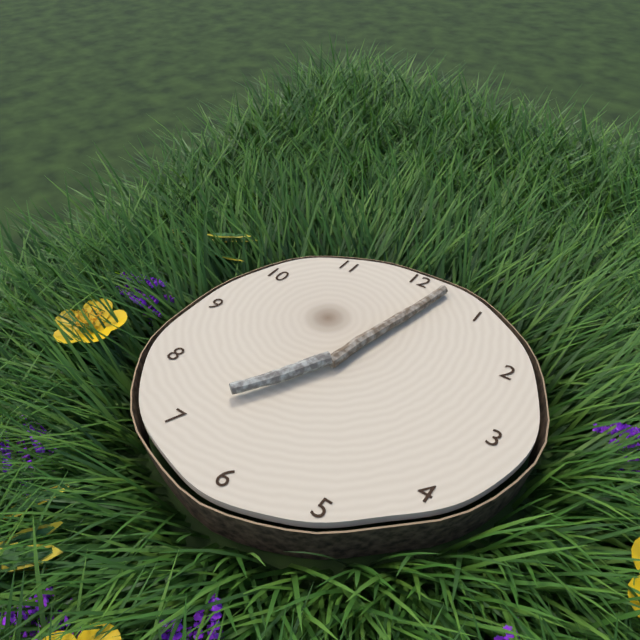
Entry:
**7:02**
